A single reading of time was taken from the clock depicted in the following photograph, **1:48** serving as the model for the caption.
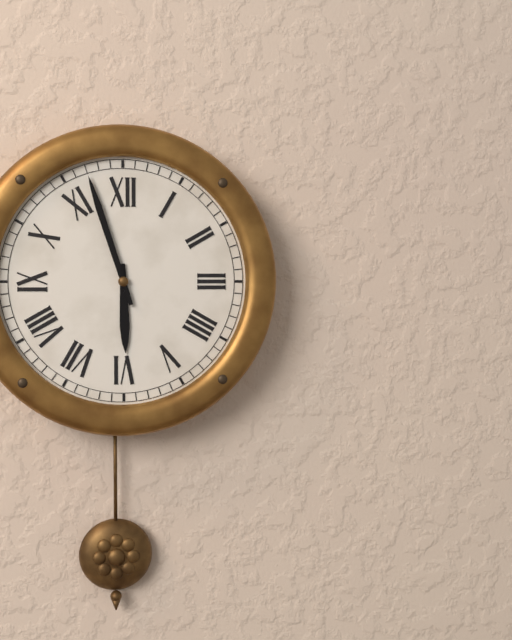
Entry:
**5:57**
